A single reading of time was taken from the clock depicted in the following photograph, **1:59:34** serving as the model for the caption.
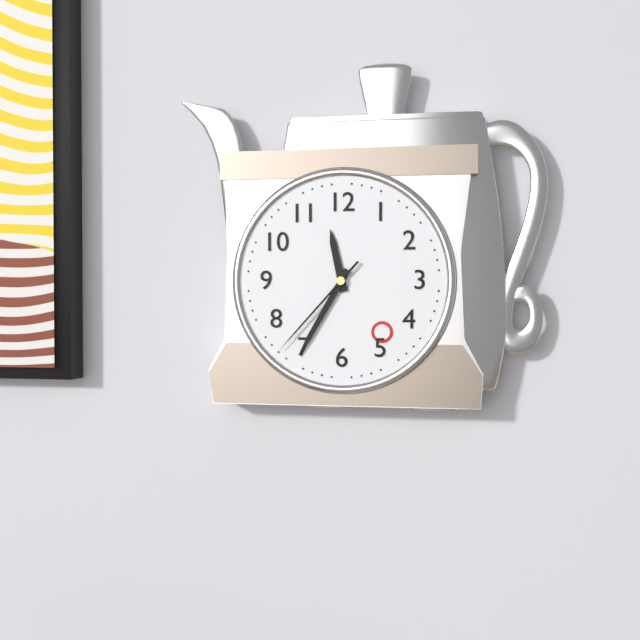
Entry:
**11:35:37**
